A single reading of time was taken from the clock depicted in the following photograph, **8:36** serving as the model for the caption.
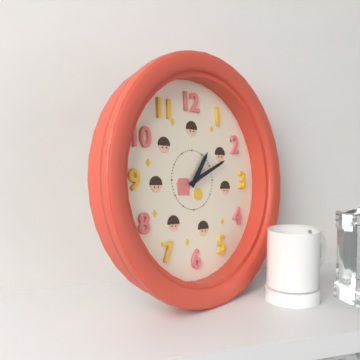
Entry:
**1:11**
